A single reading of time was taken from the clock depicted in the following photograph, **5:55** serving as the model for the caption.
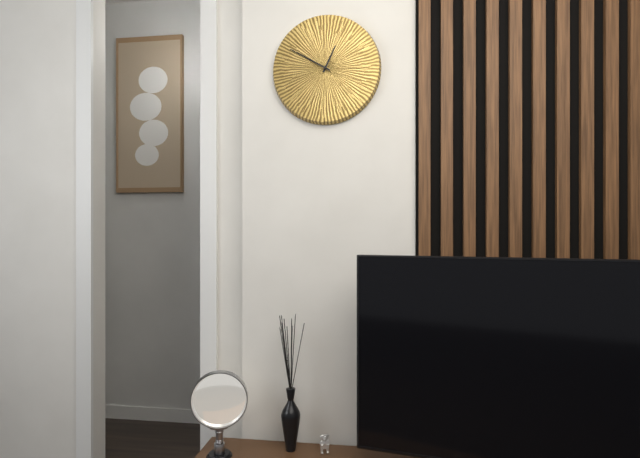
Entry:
**12:50**
